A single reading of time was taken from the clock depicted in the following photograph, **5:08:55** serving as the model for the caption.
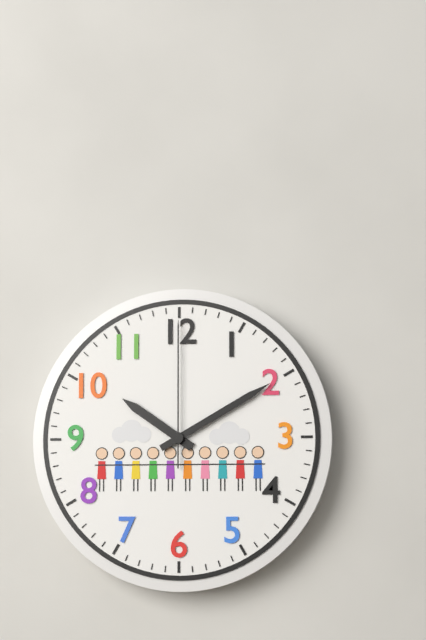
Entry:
**10:10:00**
